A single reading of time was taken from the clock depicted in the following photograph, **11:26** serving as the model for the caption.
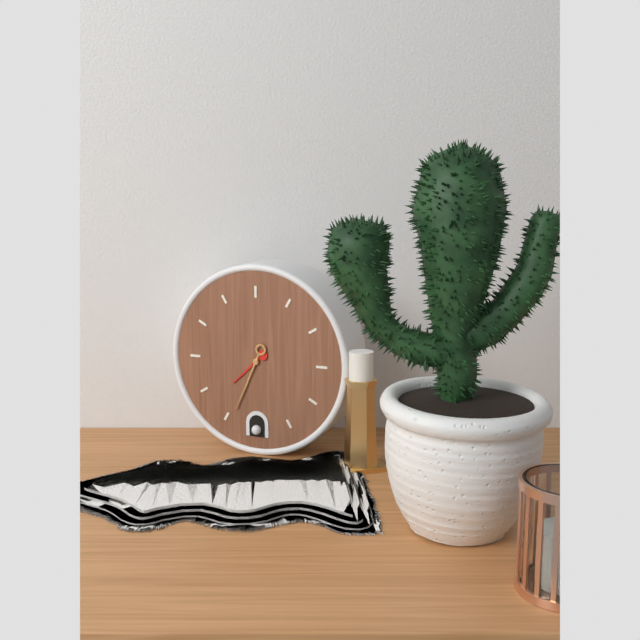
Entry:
**7:34**
